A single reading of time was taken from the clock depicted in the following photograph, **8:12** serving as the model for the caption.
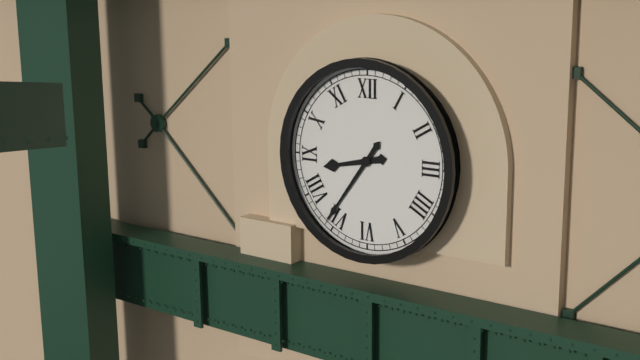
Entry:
**8:36**
